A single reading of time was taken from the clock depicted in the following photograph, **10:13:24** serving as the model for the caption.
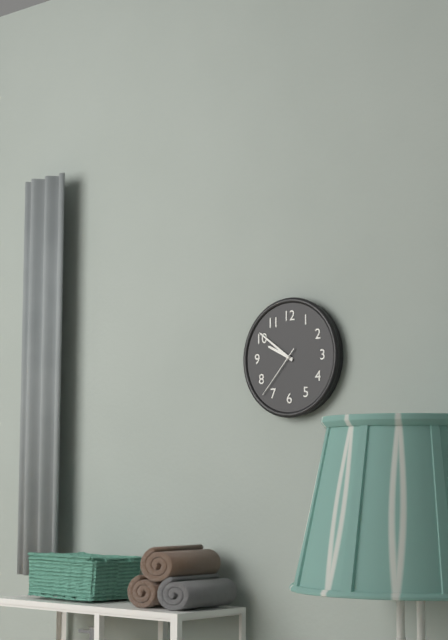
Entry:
**9:51:37**
